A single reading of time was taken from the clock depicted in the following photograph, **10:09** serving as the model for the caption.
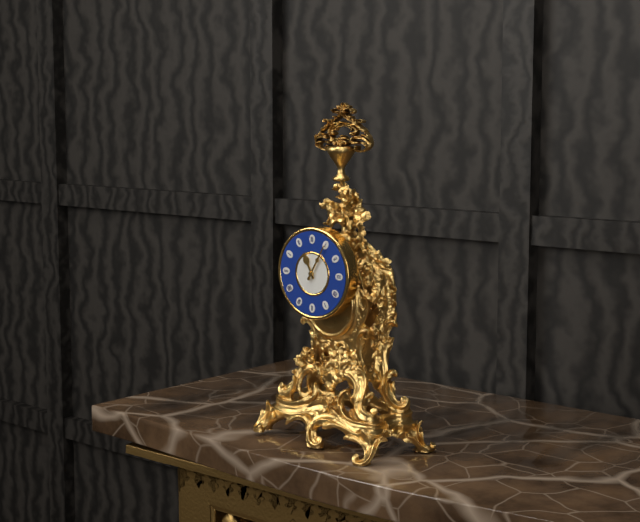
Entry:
**11:05**
